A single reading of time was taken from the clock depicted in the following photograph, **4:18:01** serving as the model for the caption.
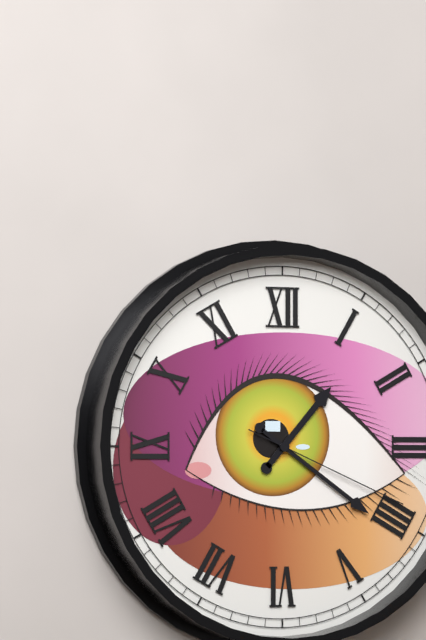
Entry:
**1:21:19**
